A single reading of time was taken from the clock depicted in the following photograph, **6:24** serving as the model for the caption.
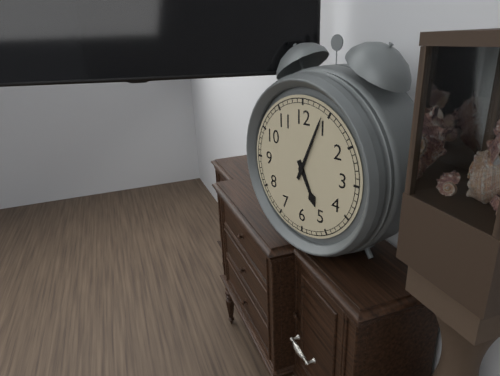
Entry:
**5:04**
